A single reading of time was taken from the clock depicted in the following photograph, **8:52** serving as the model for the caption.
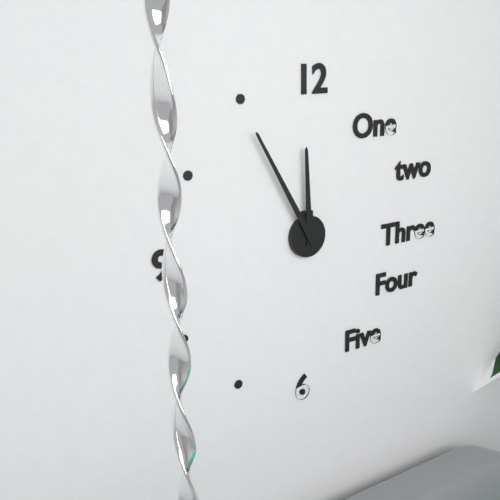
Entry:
**11:55**
